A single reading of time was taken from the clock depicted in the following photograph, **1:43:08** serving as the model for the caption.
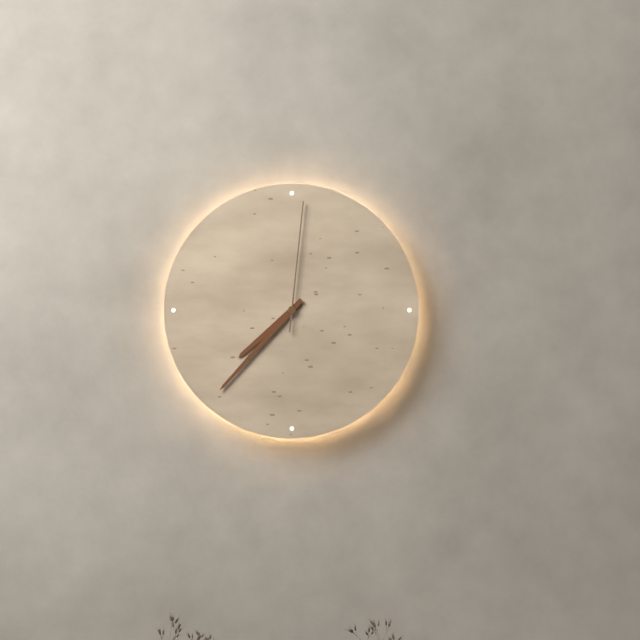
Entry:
**7:37:01**
